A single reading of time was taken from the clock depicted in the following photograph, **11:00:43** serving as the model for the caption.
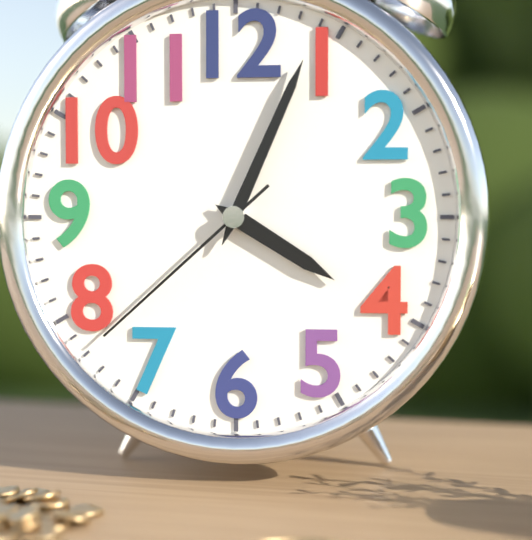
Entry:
**4:04:38**
